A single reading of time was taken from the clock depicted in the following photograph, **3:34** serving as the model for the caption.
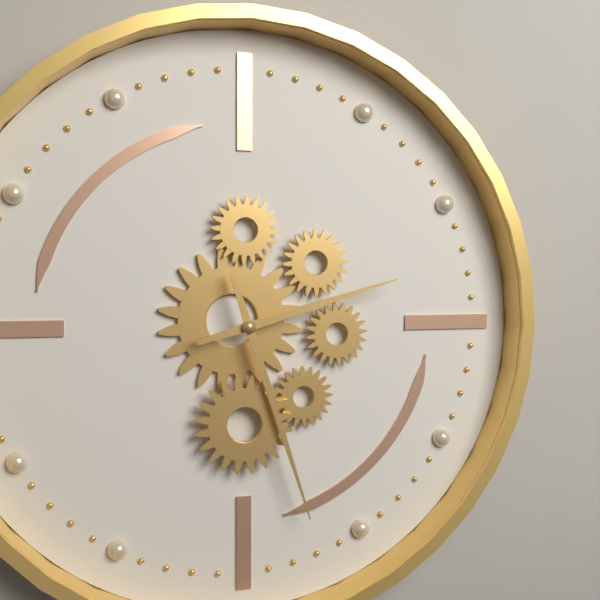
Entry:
**2:27**
